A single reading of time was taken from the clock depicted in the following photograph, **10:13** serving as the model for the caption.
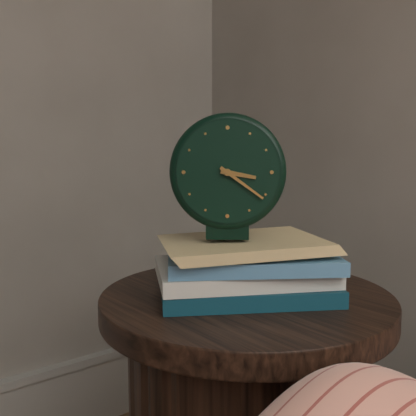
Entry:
**3:21**
